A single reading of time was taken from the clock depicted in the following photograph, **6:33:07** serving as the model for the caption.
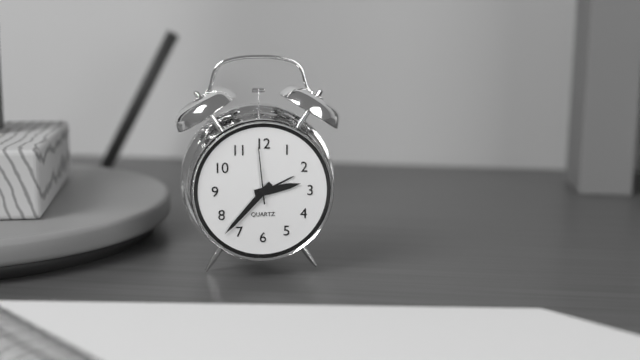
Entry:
**2:37:59**
